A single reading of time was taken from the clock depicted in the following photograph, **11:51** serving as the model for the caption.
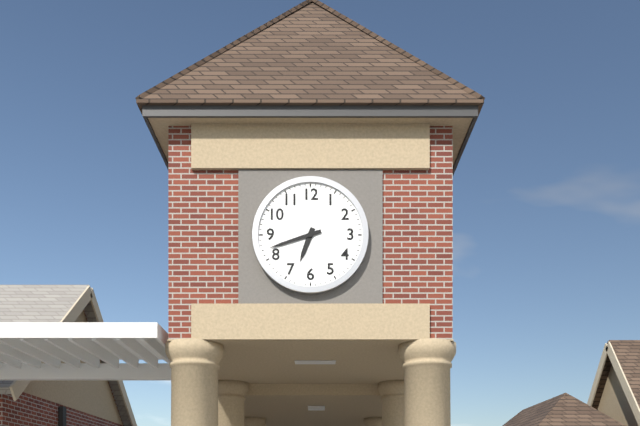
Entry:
**6:42**
